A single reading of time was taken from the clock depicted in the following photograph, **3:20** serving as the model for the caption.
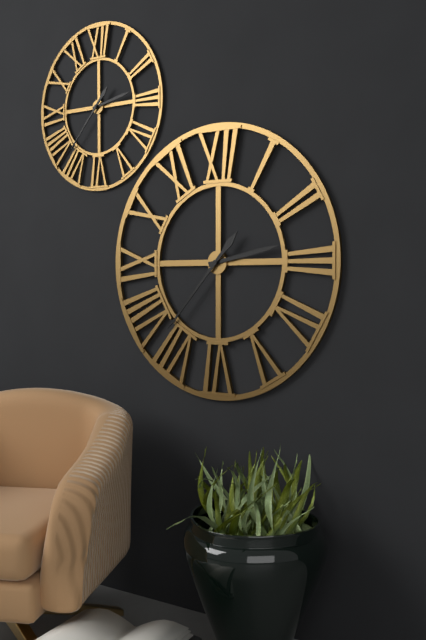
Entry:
**2:37**
